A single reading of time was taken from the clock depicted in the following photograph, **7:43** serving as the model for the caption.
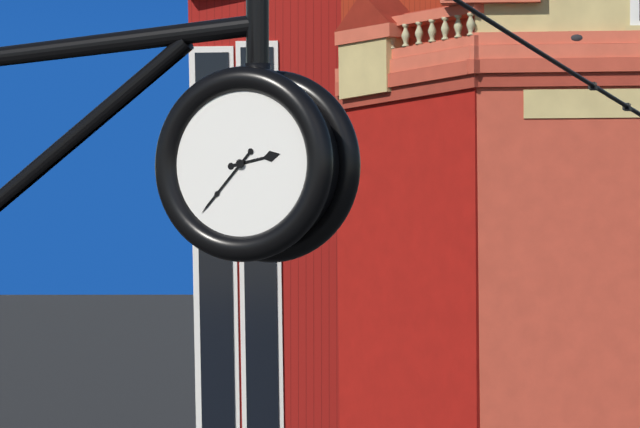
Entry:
**2:37**
